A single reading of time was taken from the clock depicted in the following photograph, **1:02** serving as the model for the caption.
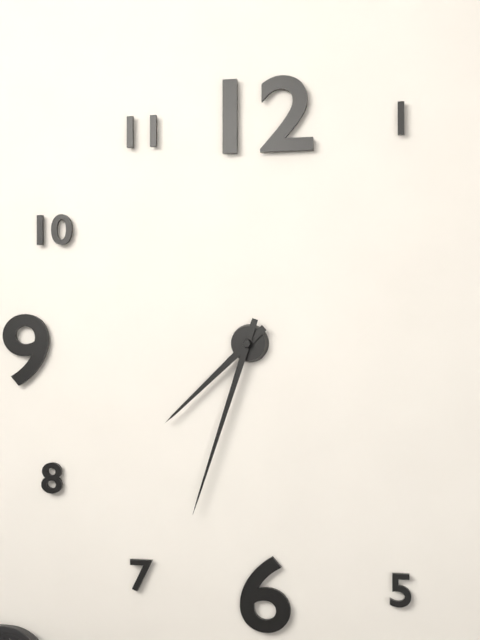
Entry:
**7:33**
